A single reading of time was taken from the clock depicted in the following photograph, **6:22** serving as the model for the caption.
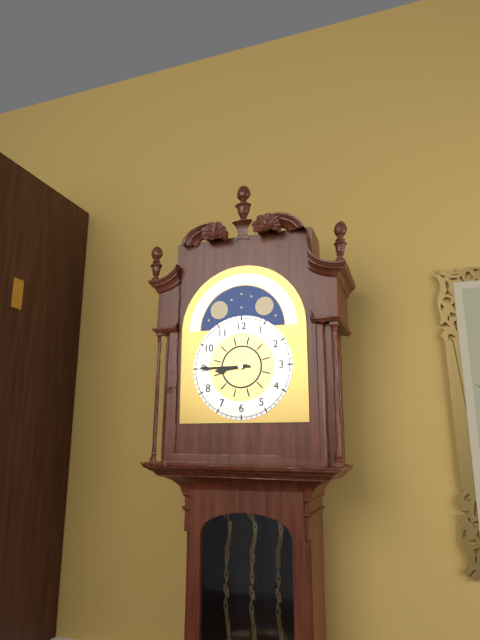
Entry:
**8:45**
